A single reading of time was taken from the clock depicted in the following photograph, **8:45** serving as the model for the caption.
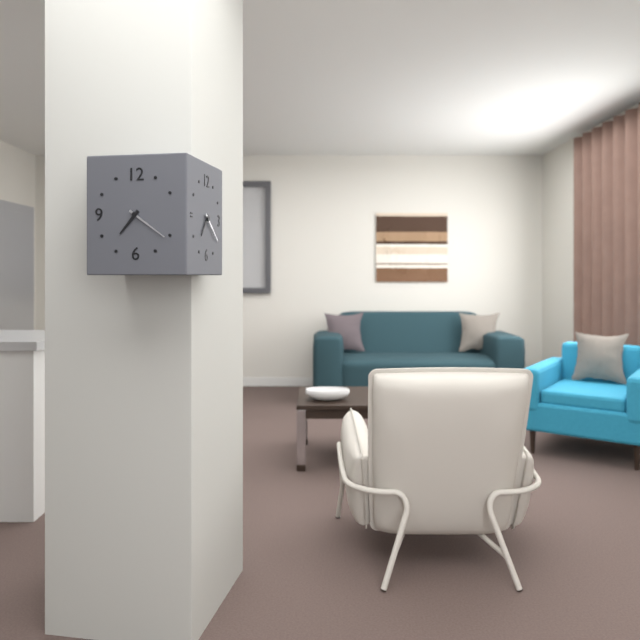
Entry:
**7:21**
